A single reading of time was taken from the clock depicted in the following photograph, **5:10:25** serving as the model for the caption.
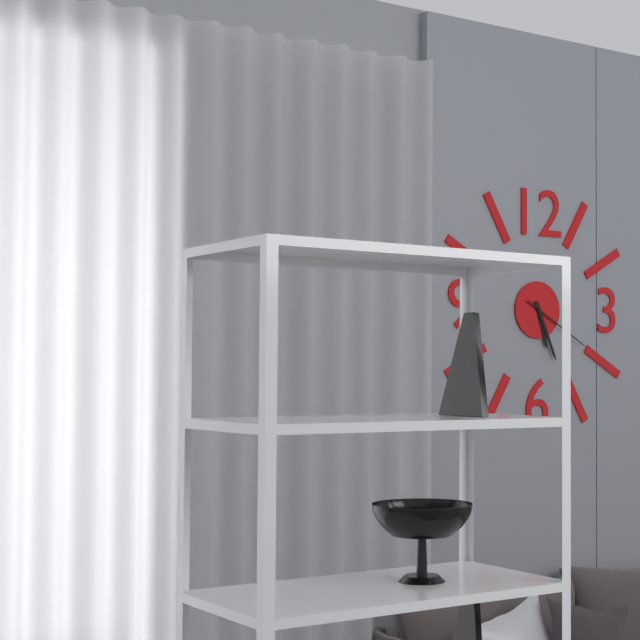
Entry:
**5:26:20**
